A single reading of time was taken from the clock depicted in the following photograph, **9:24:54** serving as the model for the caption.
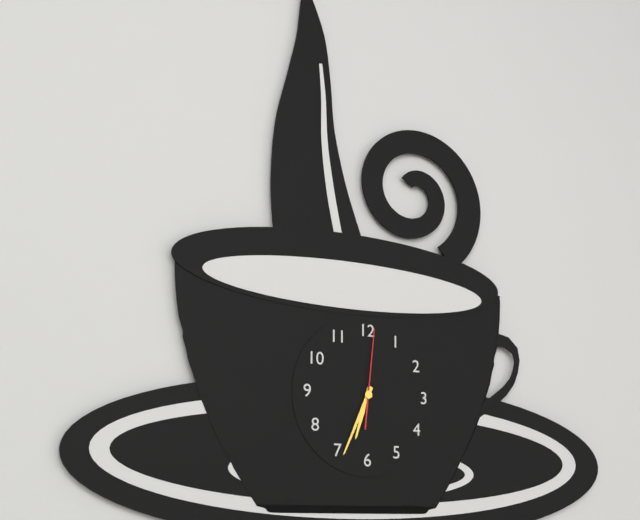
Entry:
**6:34:01**
